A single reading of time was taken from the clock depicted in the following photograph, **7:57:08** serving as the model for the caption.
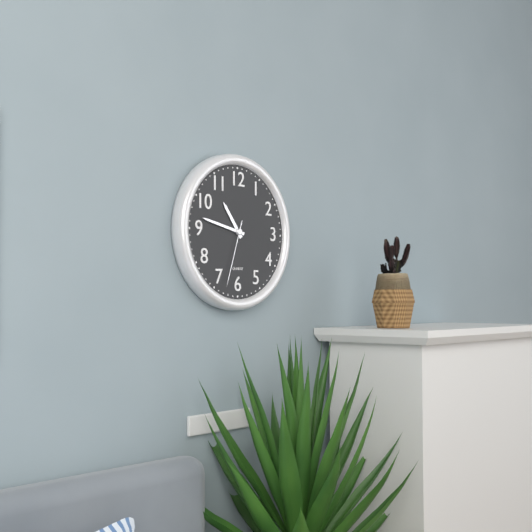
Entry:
**10:47:33**
